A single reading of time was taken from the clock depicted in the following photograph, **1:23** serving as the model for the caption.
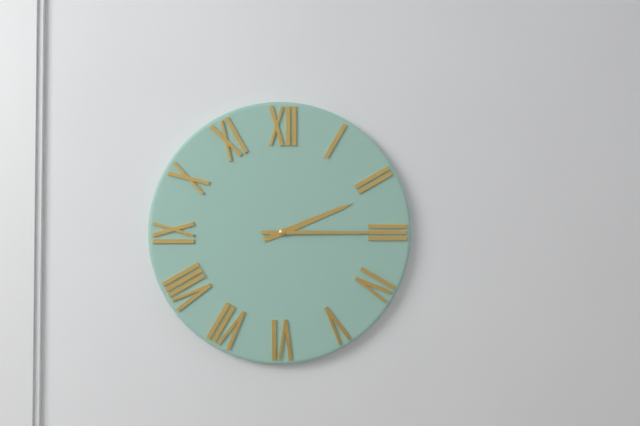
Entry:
**2:15**
